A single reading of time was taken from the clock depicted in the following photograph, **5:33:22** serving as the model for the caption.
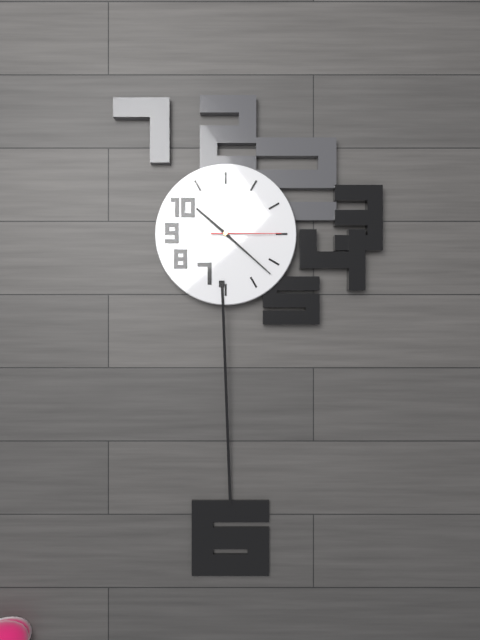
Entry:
**10:22:15**
